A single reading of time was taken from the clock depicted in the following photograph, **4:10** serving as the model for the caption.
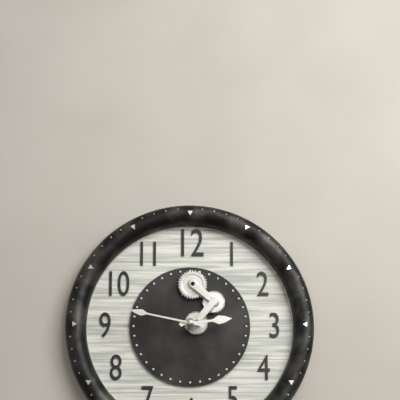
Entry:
**2:47**
